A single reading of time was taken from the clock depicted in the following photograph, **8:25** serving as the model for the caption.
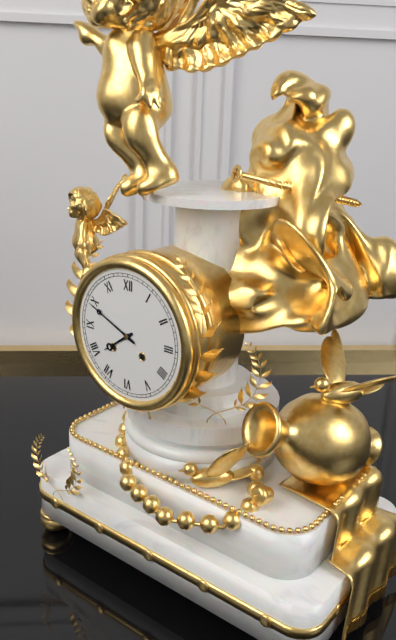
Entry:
**7:49**
